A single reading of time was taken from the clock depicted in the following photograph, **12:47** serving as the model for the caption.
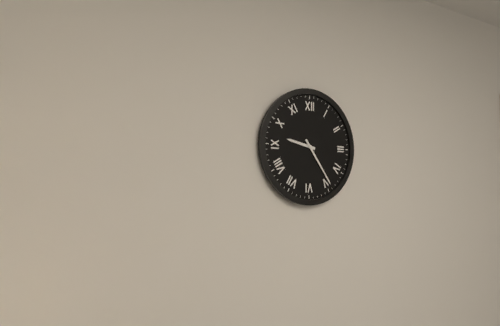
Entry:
**9:24**
